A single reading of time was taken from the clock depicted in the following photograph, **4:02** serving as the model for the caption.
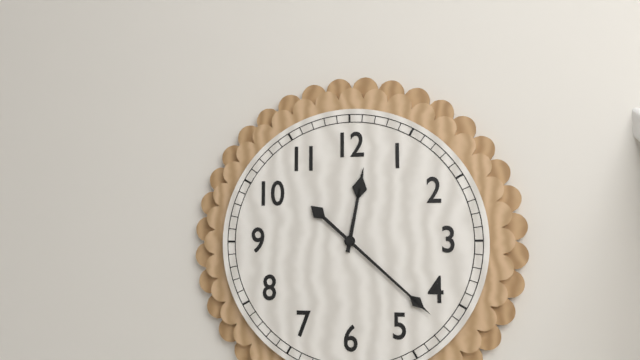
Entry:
**12:22**
